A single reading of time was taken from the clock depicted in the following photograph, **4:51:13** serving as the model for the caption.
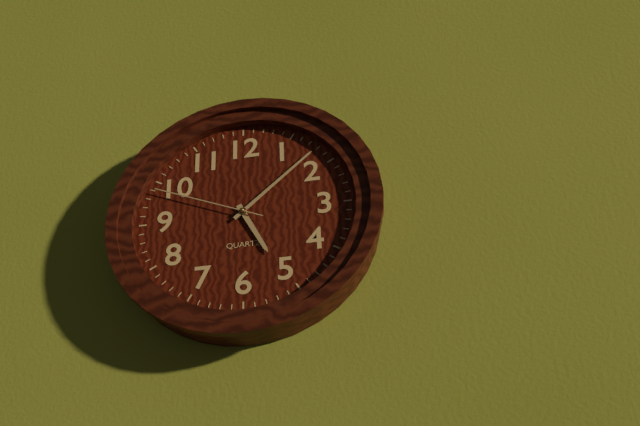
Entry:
**5:08:49**
